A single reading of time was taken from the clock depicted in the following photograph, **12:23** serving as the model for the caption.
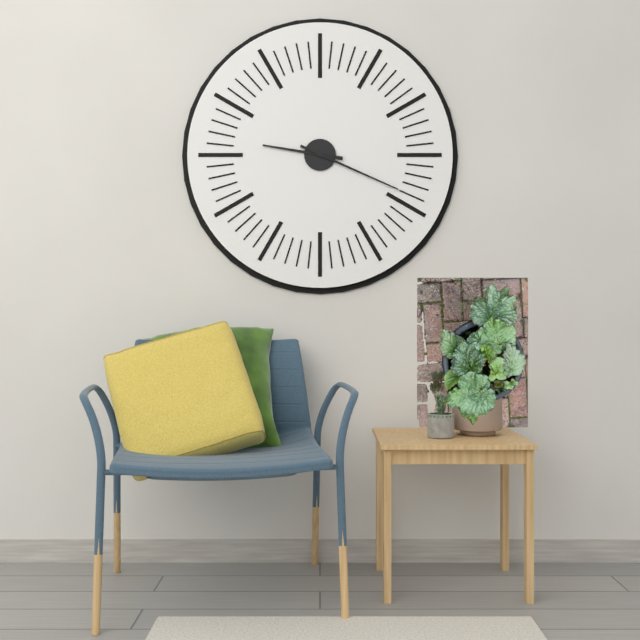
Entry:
**9:19**
